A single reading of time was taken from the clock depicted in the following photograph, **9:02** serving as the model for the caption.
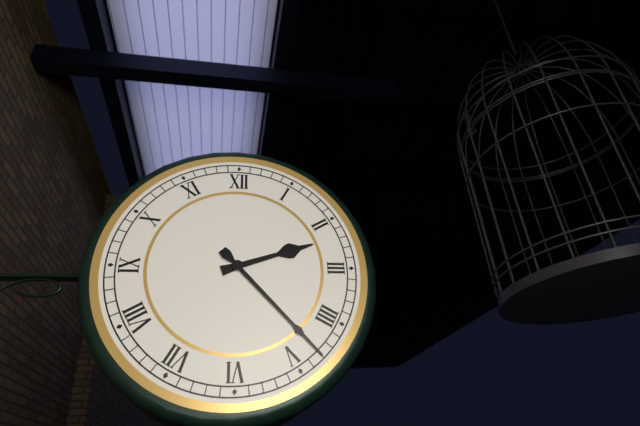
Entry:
**2:23**
